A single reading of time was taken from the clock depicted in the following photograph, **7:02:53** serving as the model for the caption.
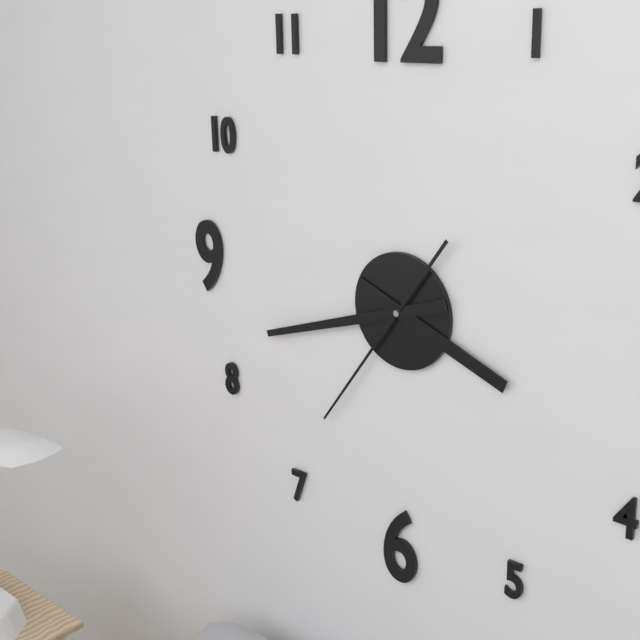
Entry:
**3:42:36**
